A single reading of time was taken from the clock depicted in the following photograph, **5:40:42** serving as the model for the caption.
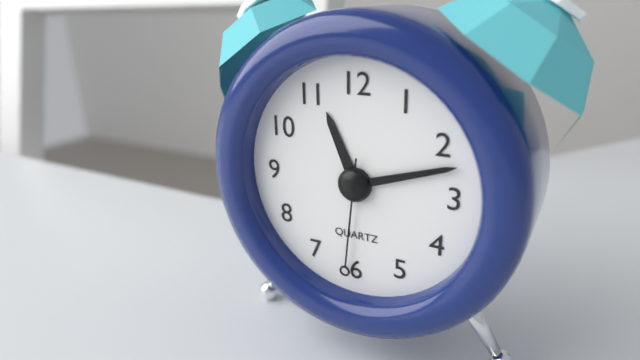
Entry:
**11:12:31**
